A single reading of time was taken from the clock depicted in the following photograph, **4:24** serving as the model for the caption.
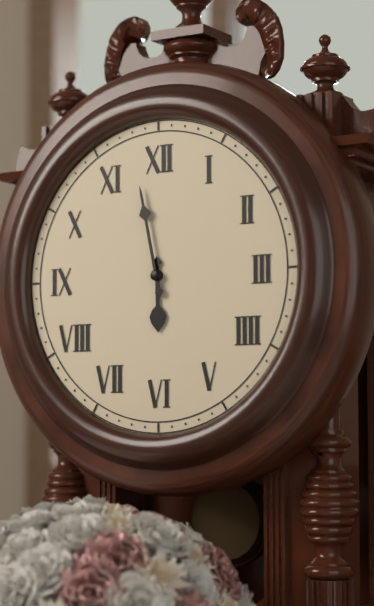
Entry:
**5:58**
